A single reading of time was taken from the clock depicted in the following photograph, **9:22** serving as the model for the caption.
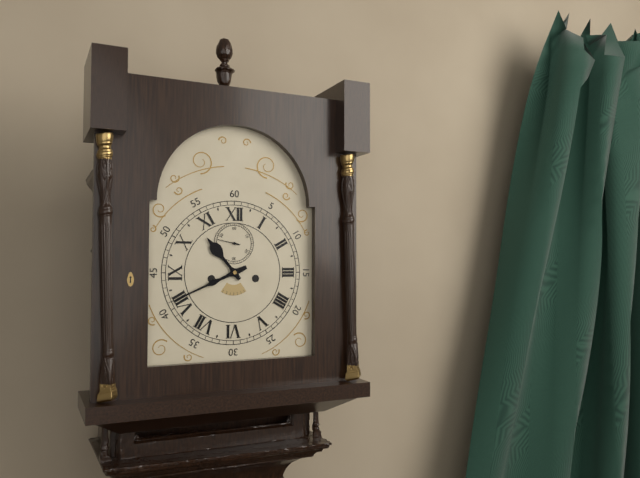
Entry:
**10:41**
